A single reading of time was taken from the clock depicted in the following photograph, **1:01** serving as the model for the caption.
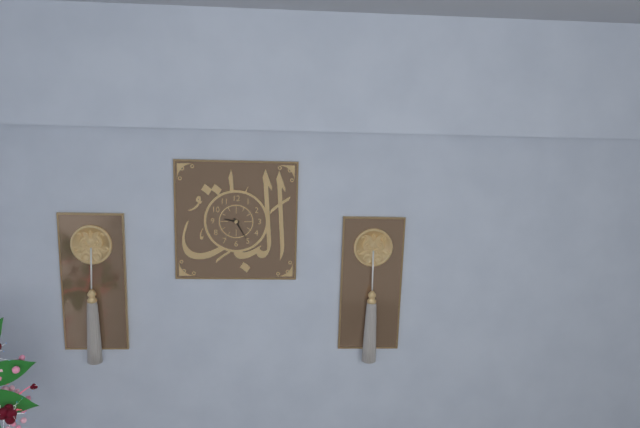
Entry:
**9:25**
